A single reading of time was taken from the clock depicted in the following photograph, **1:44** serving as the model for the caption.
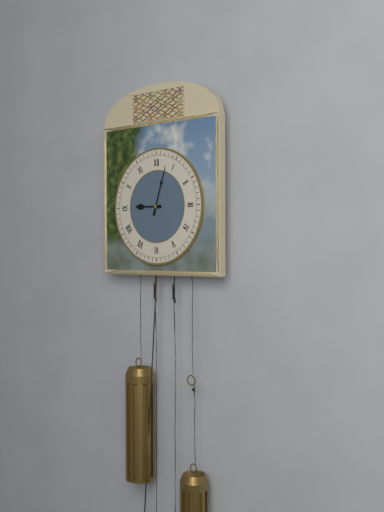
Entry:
**9:03**
